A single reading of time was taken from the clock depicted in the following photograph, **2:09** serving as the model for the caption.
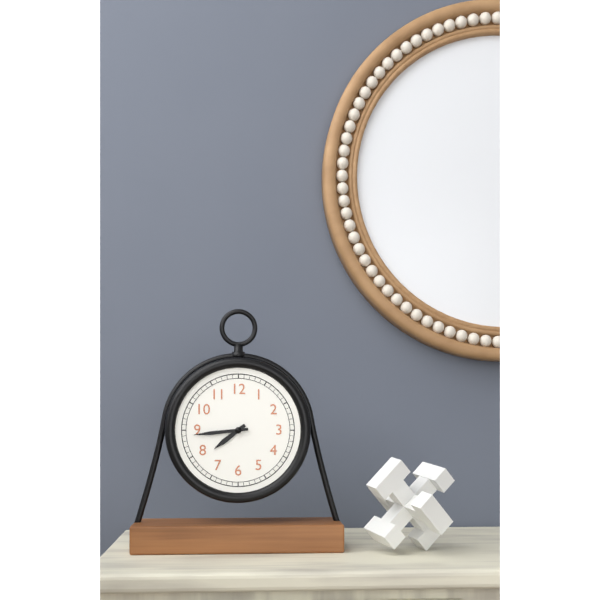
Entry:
**7:44**
